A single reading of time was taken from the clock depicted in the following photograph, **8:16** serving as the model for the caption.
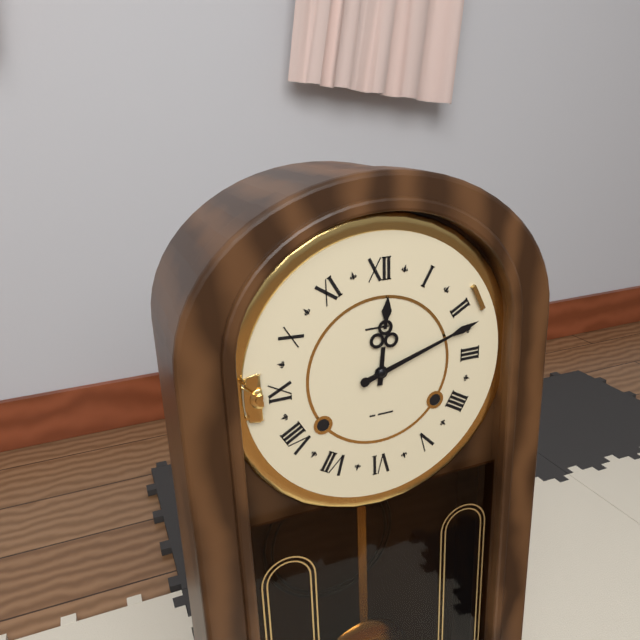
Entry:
**12:12**
